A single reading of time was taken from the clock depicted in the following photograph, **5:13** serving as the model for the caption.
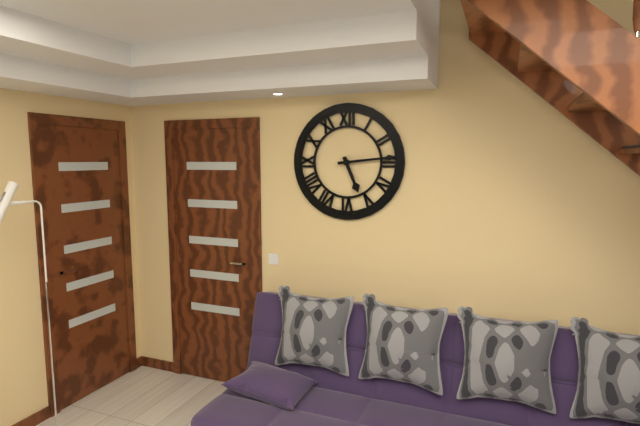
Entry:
**5:14**
